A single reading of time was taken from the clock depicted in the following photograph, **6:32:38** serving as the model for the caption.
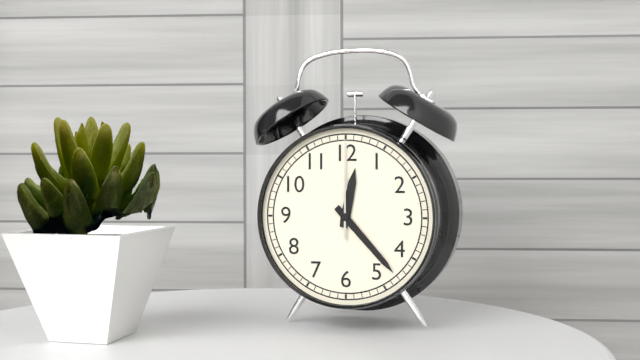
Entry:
**12:23:00**
